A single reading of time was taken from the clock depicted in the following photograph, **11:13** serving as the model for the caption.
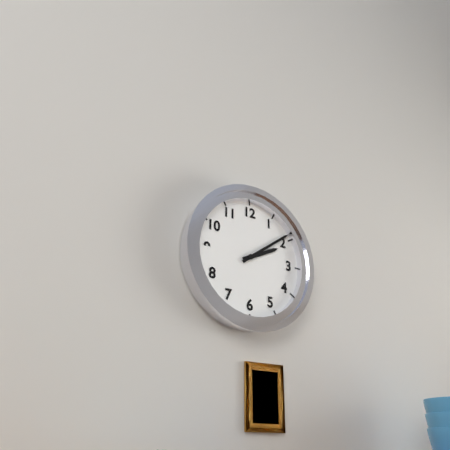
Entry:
**2:09**
